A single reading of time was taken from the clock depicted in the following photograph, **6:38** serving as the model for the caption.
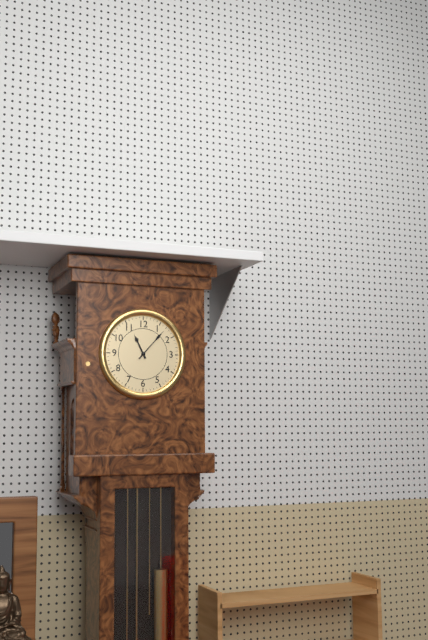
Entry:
**11:07**
